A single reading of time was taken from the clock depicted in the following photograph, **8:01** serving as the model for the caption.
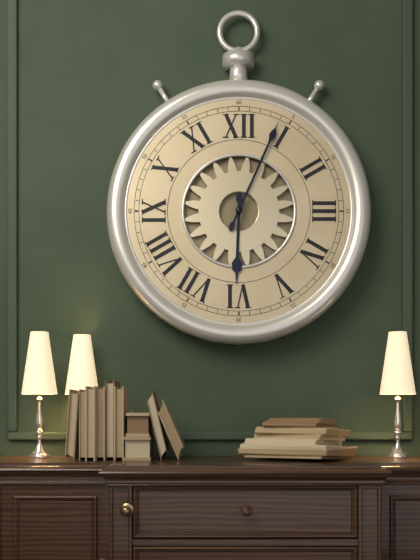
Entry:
**6:04**
